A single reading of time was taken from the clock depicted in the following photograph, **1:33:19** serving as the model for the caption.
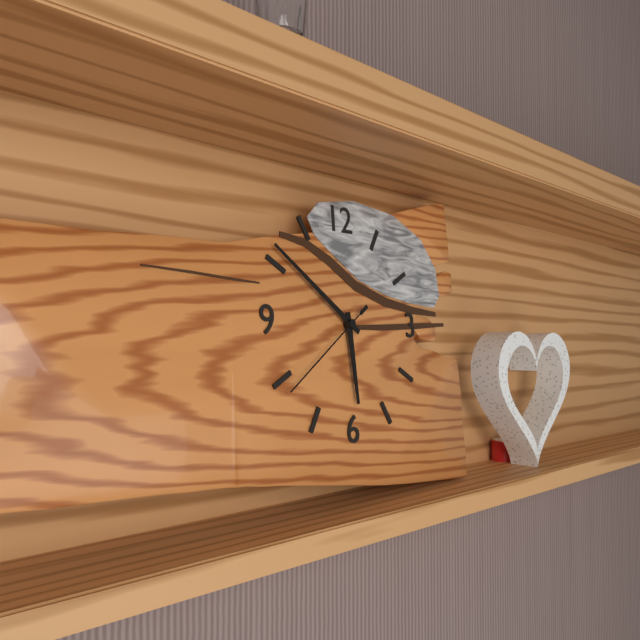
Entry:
**5:51:39**
